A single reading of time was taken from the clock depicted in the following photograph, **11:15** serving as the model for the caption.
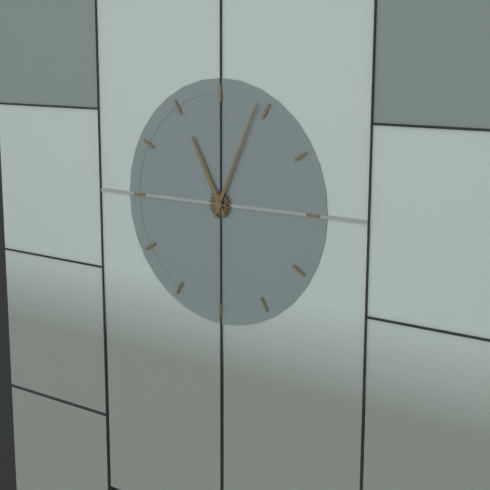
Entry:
**11:04**
